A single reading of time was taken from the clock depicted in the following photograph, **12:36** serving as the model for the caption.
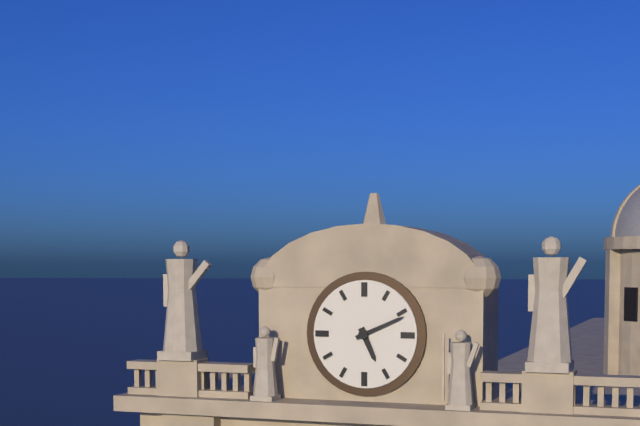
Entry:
**5:11**
